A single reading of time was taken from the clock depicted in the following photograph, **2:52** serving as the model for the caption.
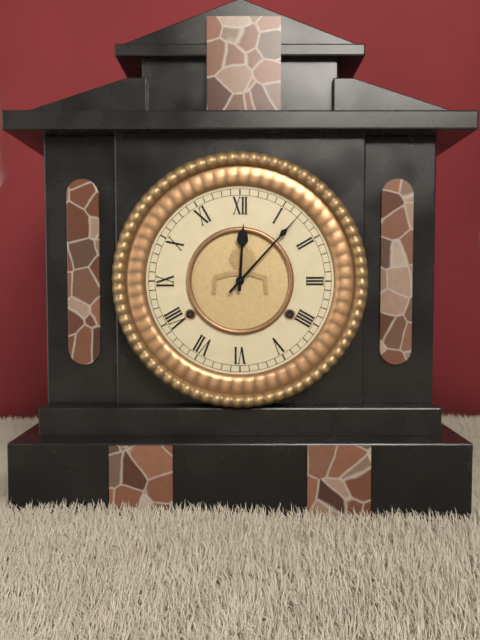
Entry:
**12:07**
